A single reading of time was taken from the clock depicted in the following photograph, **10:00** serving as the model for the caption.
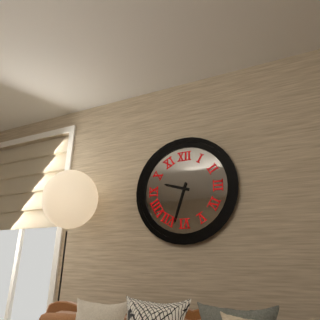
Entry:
**9:33**
